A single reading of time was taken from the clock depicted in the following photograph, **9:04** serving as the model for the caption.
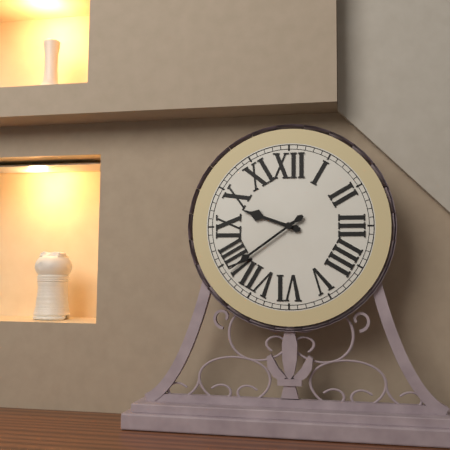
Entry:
**9:39**
